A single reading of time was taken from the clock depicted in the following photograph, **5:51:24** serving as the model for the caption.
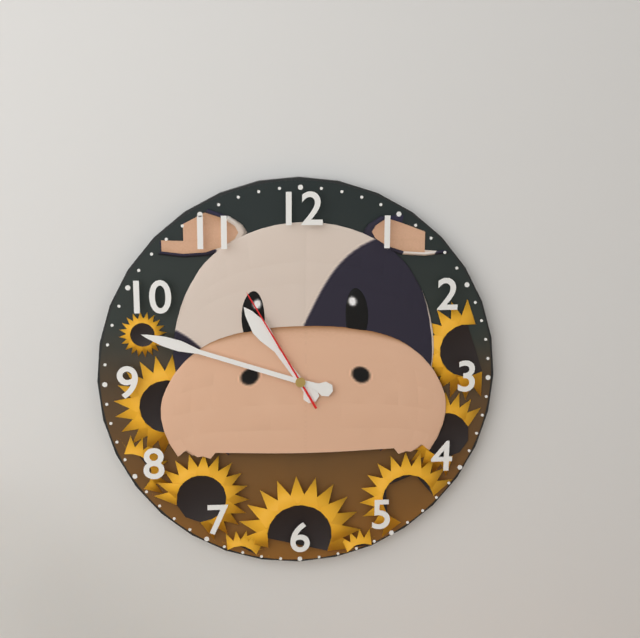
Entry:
**10:48:55**
